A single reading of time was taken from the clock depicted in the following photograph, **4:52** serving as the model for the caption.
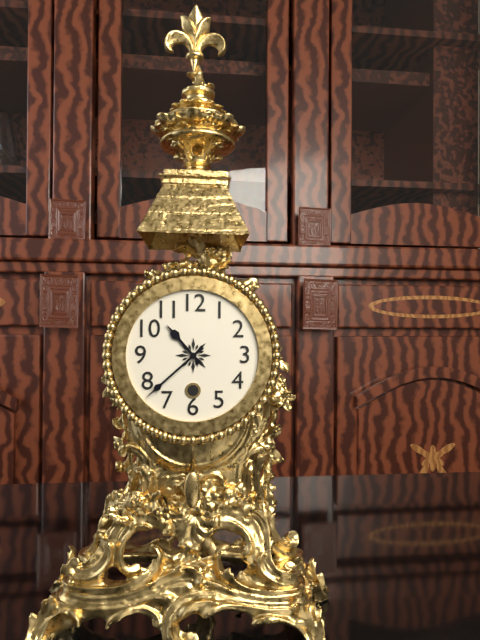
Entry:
**10:38**
